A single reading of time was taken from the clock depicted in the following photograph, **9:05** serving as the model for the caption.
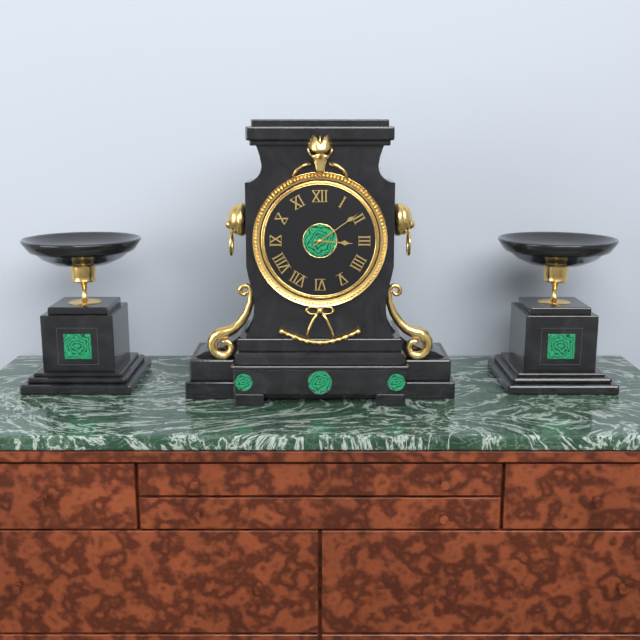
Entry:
**3:09**
